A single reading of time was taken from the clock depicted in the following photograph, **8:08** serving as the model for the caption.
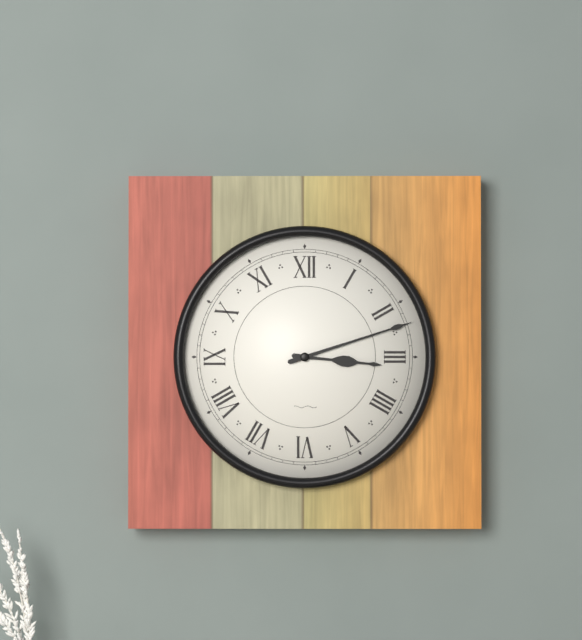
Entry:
**3:12**
